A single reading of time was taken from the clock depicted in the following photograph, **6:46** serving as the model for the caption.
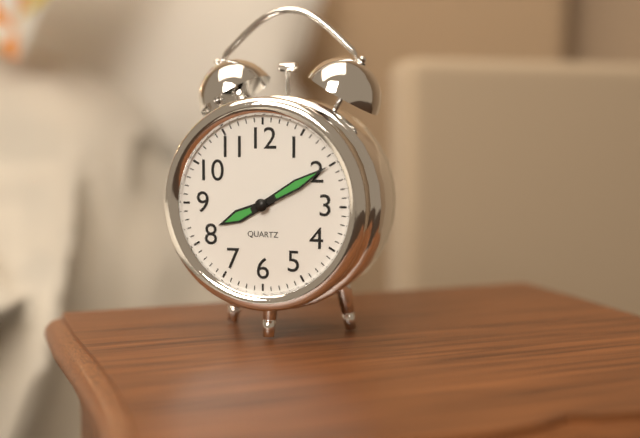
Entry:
**8:10**
